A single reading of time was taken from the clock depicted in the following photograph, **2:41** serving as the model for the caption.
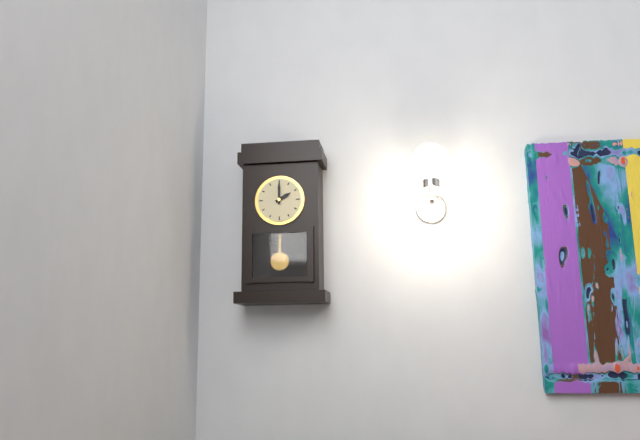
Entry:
**2:00**
